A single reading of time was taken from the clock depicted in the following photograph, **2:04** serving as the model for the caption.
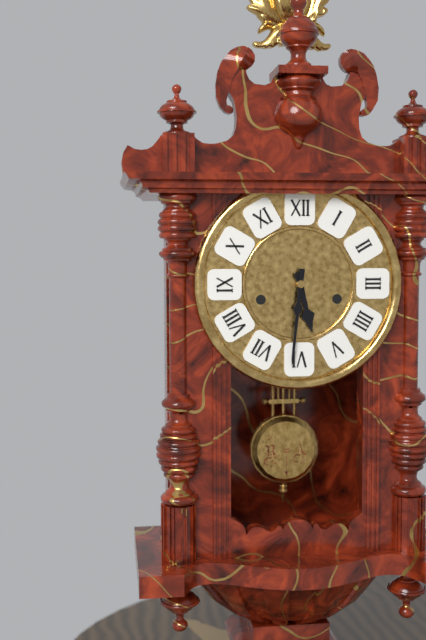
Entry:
**5:31**
